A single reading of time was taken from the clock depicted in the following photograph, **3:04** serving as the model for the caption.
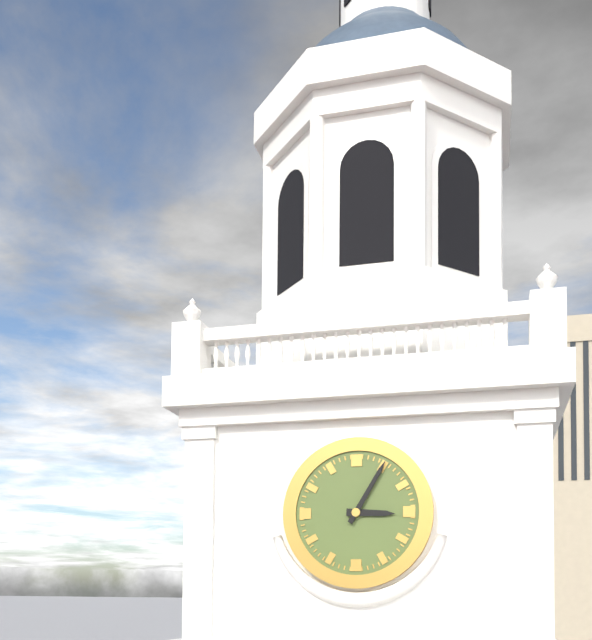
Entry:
**3:05**
